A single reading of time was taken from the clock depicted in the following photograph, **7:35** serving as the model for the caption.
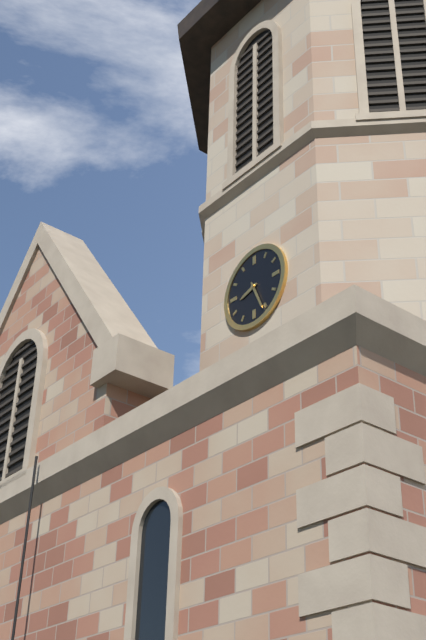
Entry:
**8:26**
